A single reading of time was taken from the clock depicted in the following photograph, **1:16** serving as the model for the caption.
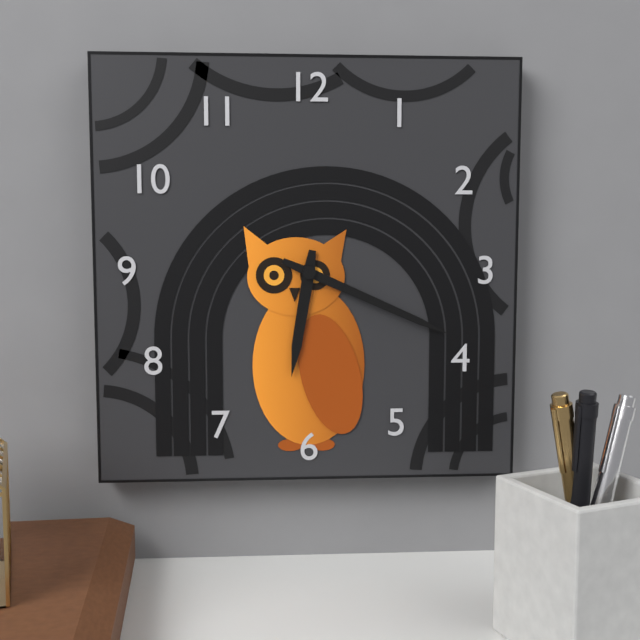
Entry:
**6:19**
